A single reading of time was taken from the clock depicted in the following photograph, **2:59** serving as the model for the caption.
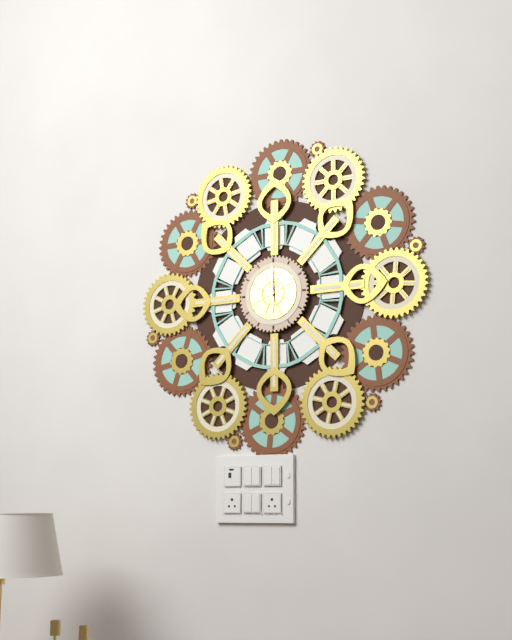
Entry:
**6:00**
